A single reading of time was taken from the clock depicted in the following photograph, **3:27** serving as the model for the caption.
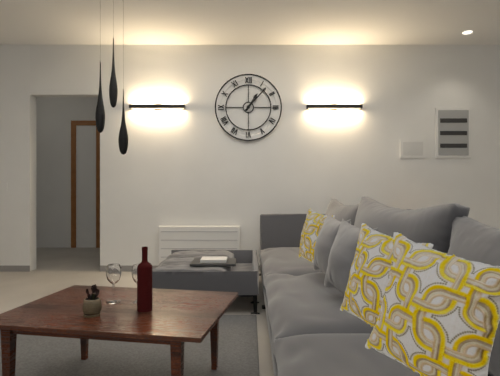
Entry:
**1:07**
